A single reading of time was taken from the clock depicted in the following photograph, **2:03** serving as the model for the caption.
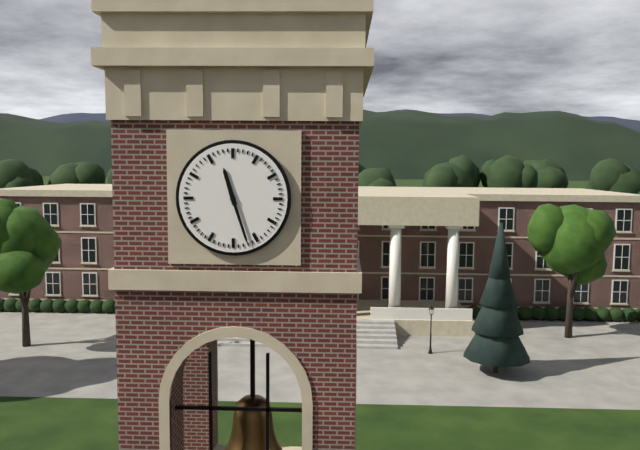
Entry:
**11:27**
